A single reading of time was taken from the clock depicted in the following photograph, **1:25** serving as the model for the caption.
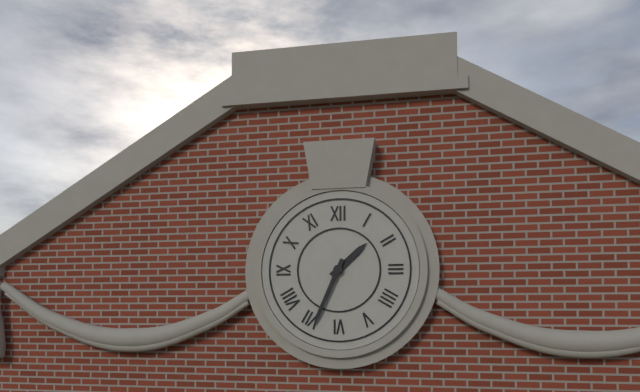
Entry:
**1:34**
